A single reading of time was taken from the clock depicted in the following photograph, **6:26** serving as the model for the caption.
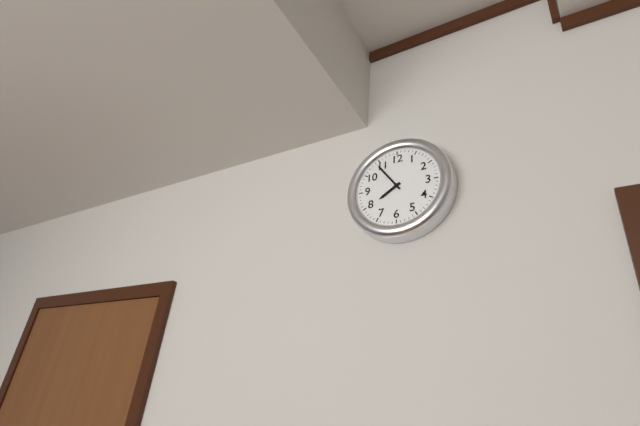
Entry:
**7:54**
